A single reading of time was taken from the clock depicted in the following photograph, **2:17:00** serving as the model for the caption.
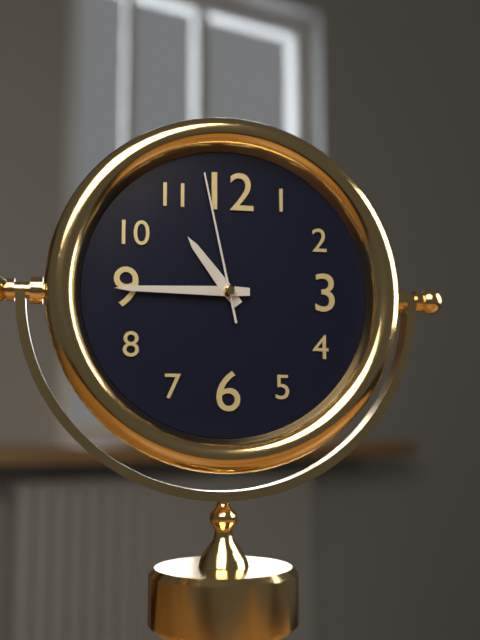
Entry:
**10:45:58**
